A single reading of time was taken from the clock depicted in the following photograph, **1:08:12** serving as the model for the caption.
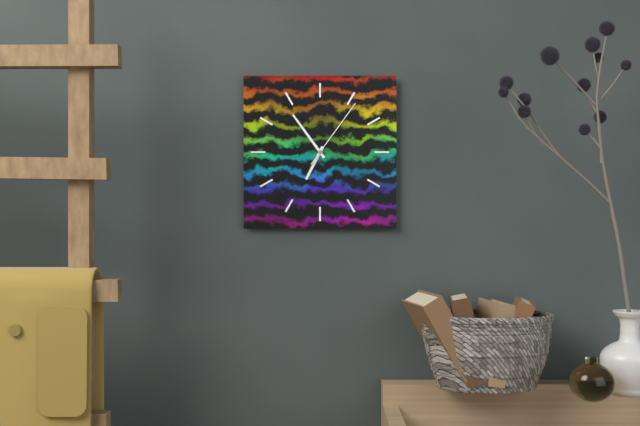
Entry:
**6:54:06**
